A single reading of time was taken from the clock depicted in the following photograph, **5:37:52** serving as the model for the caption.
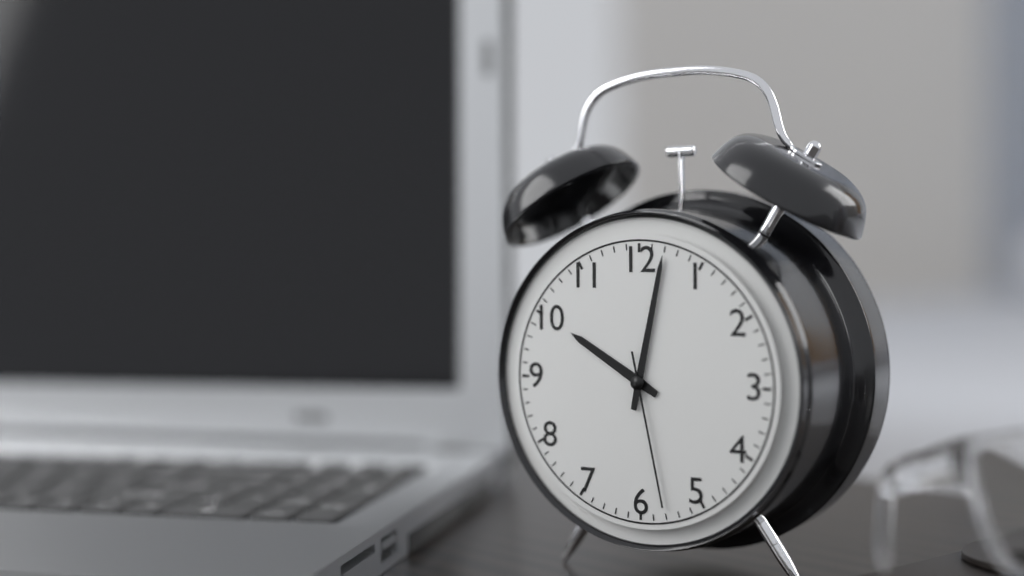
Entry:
**10:02:28**
